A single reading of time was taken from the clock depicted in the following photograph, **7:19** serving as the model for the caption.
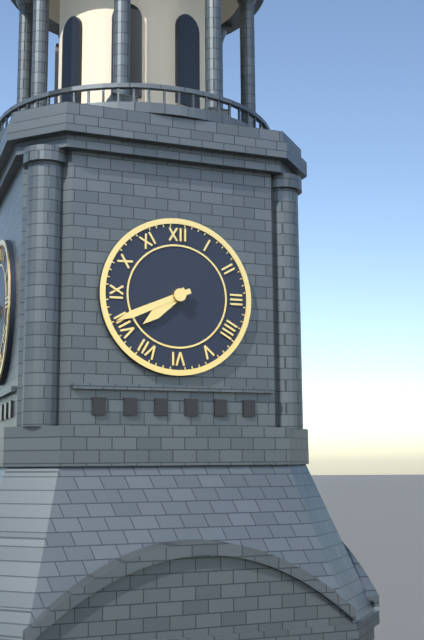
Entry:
**7:41**
